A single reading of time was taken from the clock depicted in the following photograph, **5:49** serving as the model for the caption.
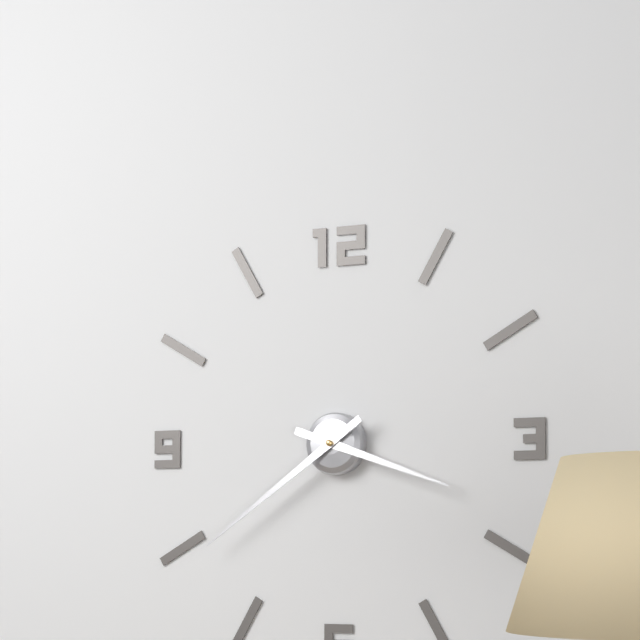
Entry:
**3:39**
